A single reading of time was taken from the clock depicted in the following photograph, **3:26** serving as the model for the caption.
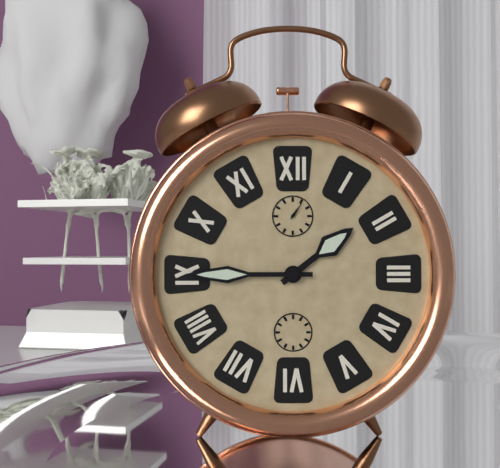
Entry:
**1:45**
